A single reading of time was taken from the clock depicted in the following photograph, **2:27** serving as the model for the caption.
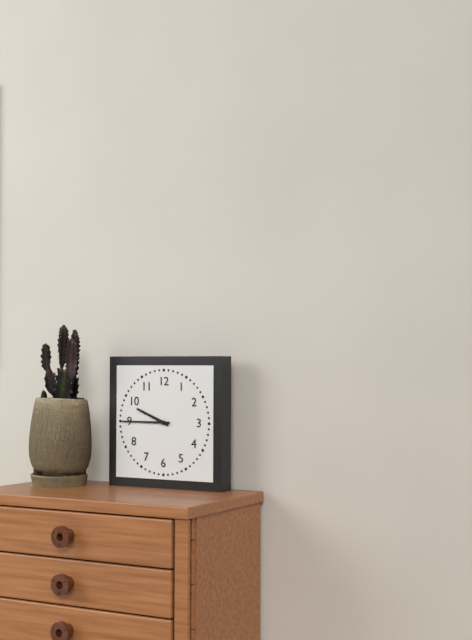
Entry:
**9:45**
